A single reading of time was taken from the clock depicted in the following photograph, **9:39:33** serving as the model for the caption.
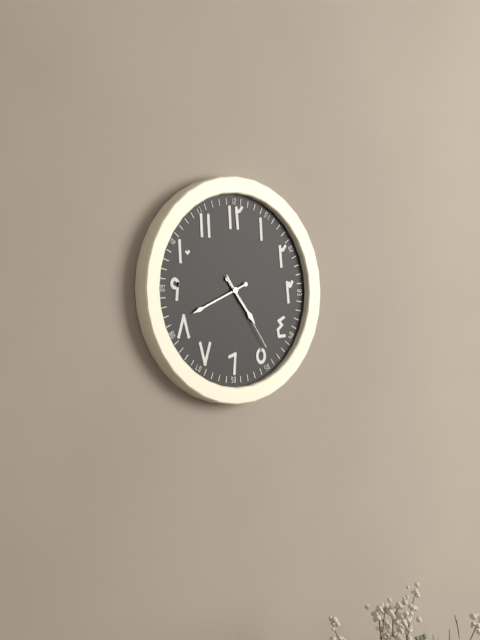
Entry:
**4:41:24**
